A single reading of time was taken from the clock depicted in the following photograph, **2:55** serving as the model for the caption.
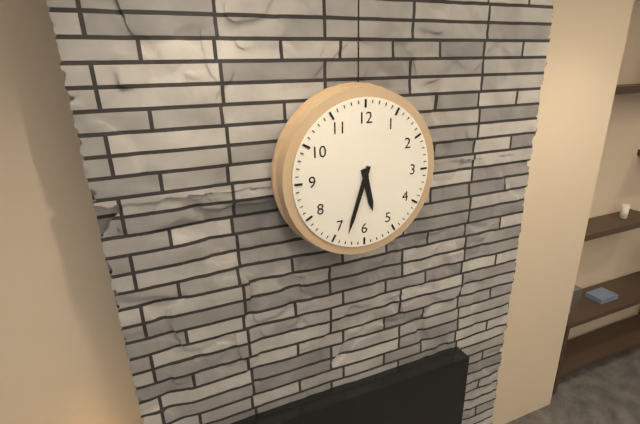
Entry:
**5:33**
